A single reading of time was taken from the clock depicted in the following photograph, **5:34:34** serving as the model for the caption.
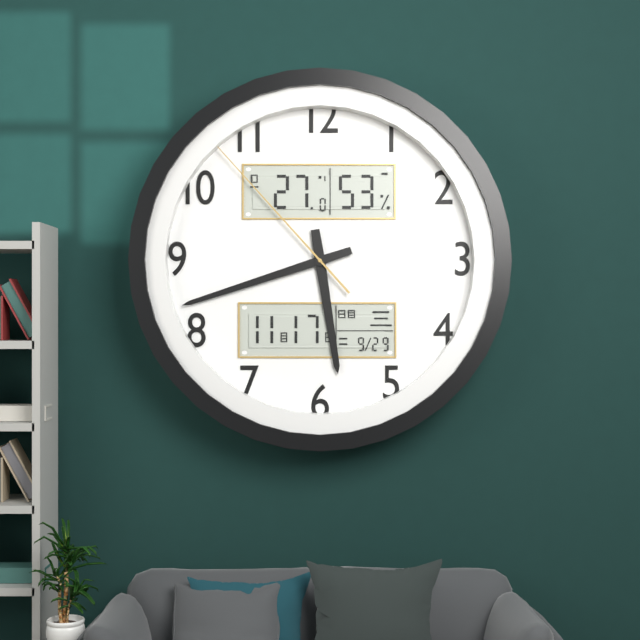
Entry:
**5:42:53**
